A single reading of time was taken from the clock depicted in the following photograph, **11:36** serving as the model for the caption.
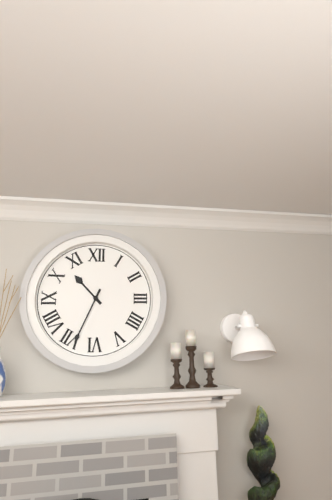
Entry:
**10:34**
